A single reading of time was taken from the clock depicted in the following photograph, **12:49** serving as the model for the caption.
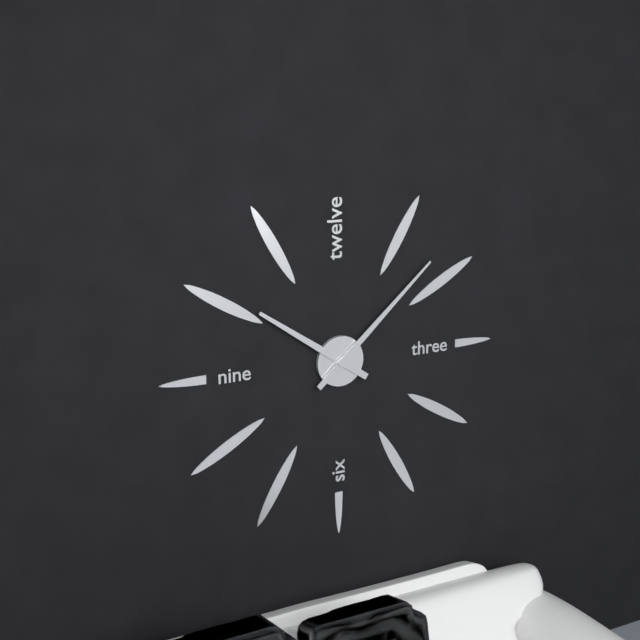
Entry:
**10:08**
